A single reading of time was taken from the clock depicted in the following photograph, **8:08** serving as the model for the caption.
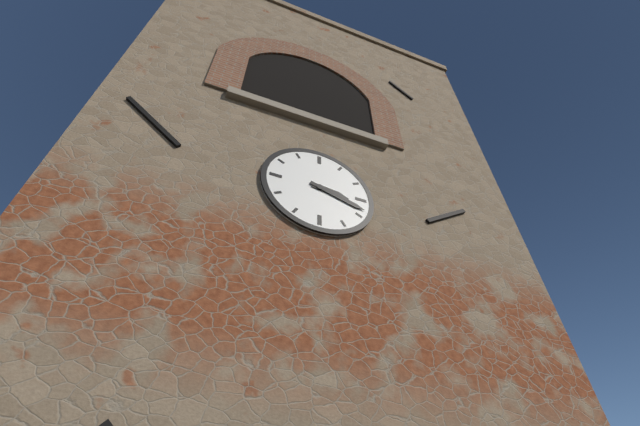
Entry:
**3:18**
